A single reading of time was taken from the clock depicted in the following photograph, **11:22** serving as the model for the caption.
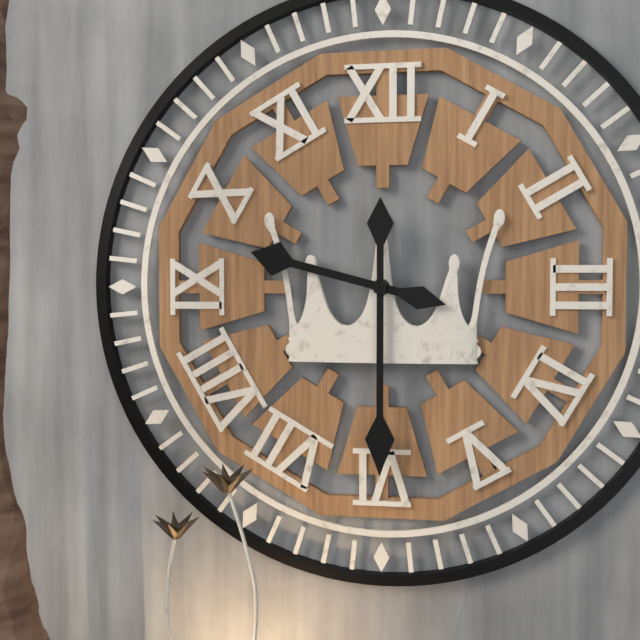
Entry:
**9:30**
